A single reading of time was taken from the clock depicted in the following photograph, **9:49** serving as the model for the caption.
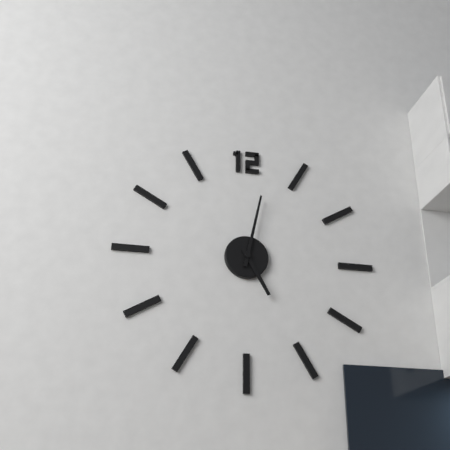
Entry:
**5:02**
